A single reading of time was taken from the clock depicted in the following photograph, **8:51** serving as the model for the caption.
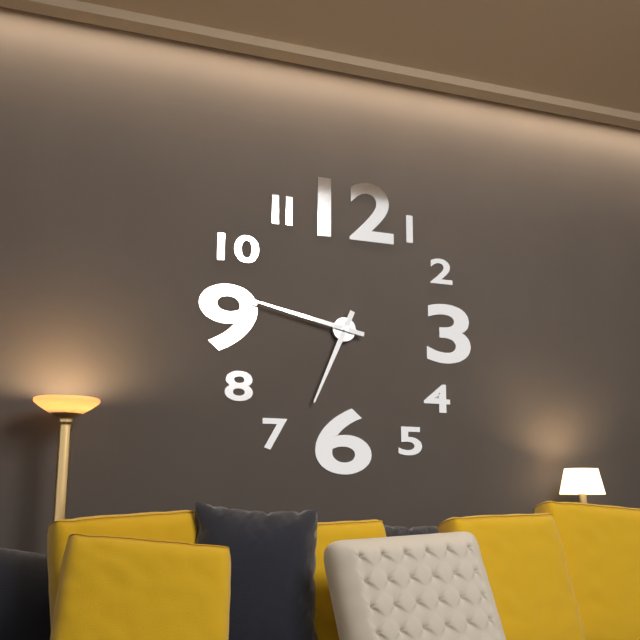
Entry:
**6:47**
